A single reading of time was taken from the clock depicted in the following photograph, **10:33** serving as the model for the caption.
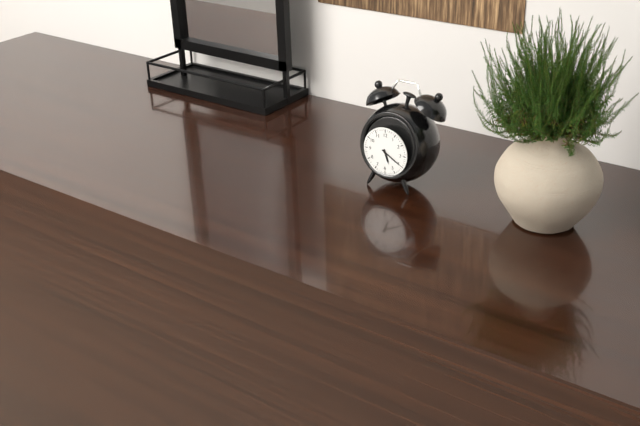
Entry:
**5:20**
